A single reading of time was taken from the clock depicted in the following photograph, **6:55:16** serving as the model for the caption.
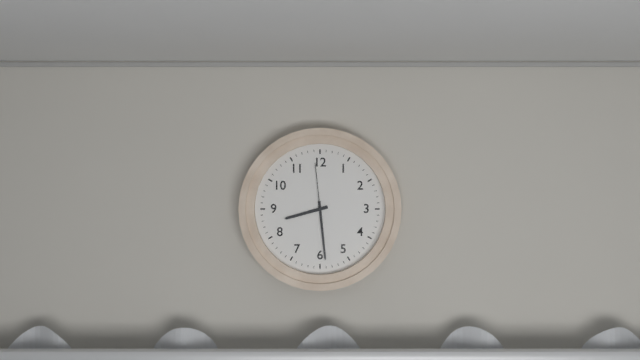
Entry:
**8:29:59**
